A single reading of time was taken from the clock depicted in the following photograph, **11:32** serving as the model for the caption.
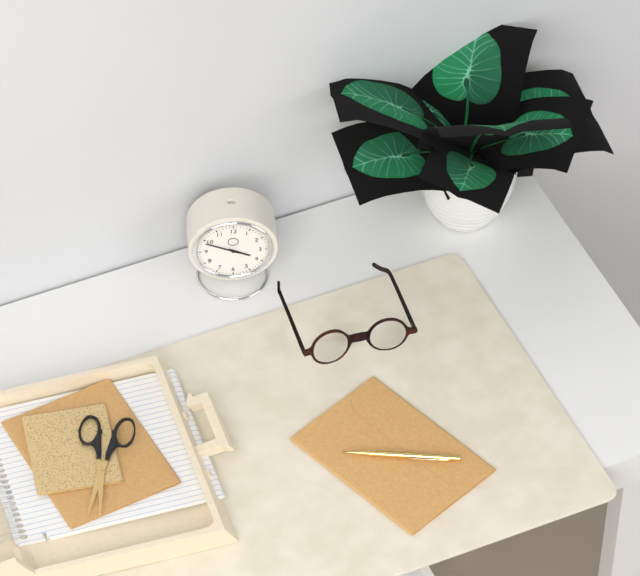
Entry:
**3:49**
